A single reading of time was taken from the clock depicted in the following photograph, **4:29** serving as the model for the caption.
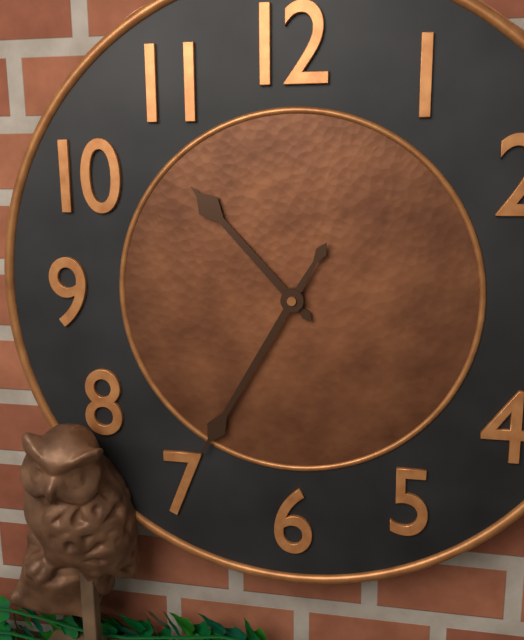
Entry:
**10:35**
